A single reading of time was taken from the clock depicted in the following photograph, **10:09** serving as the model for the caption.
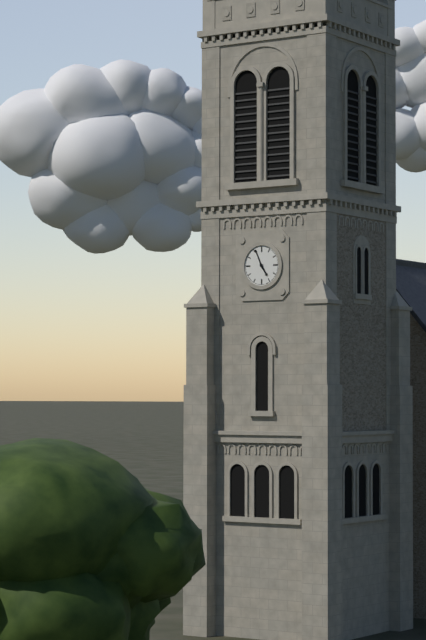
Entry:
**4:56**
